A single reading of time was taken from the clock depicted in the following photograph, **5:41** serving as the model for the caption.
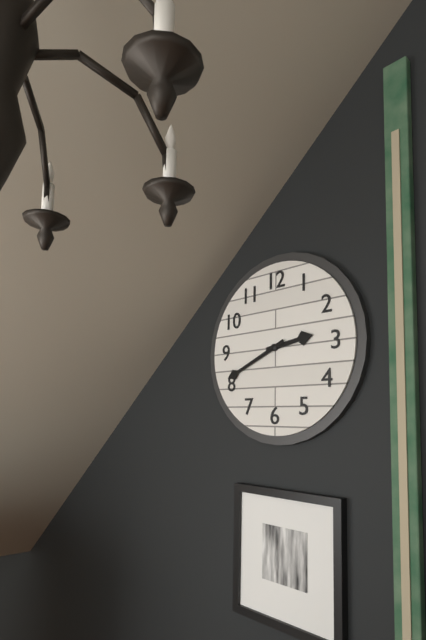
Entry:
**2:41**
